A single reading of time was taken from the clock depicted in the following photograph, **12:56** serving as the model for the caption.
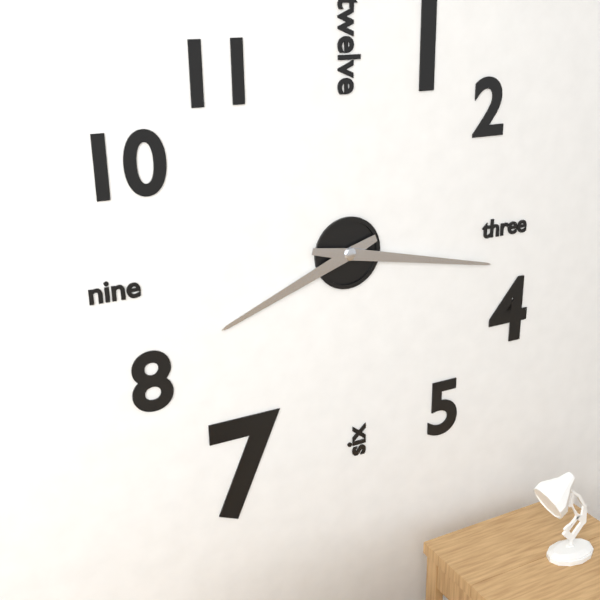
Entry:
**8:17**
